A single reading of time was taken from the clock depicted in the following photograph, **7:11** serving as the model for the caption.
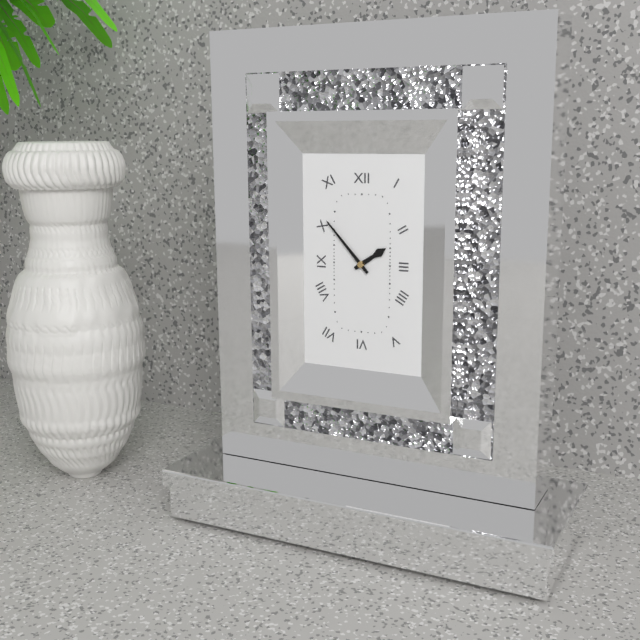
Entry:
**1:53**
